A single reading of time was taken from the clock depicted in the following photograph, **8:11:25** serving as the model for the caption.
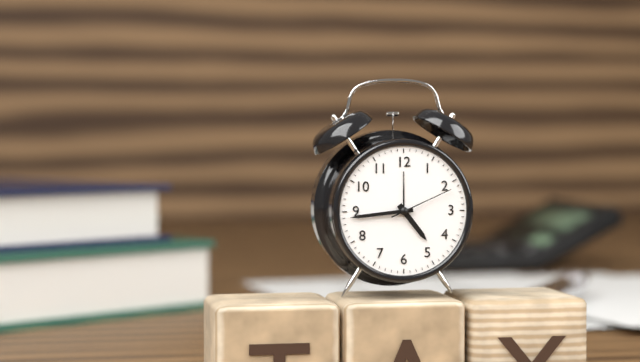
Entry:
**4:44:11**
